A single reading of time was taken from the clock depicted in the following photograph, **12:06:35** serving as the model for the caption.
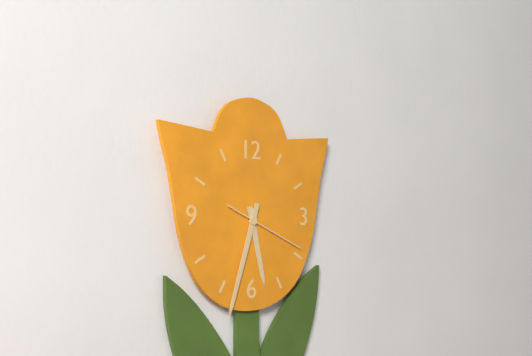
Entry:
**5:33:19**
